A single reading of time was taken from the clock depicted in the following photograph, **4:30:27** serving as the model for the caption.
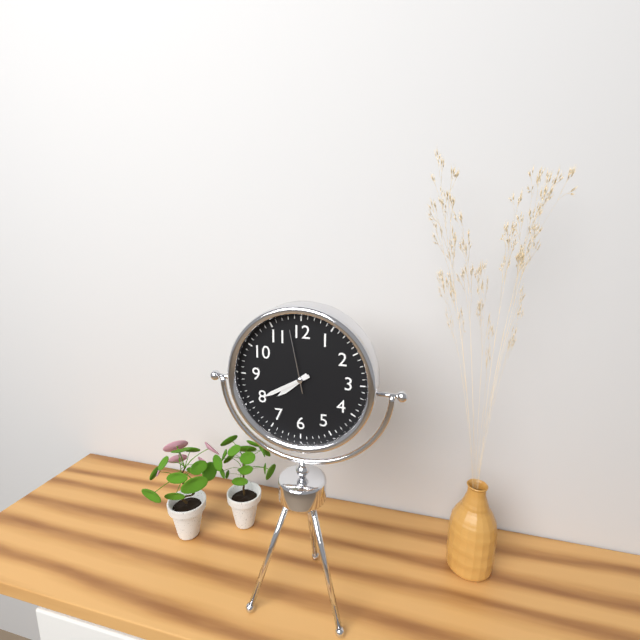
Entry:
**7:40:58**
